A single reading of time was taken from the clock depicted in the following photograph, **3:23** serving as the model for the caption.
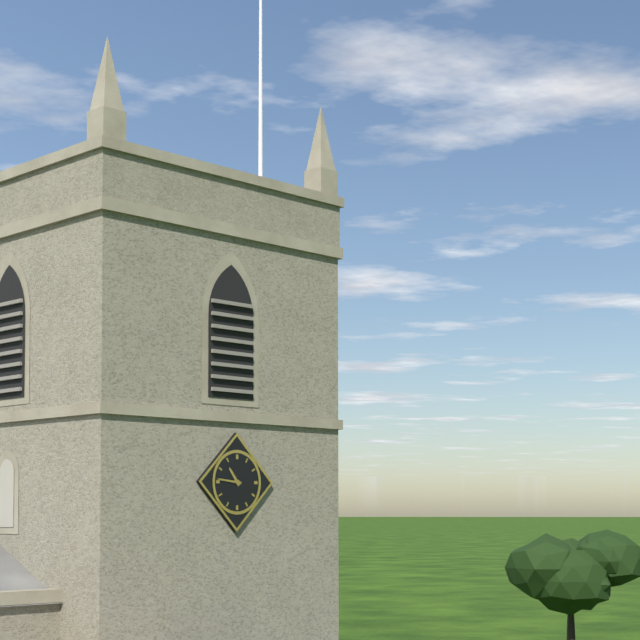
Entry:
**10:46**
